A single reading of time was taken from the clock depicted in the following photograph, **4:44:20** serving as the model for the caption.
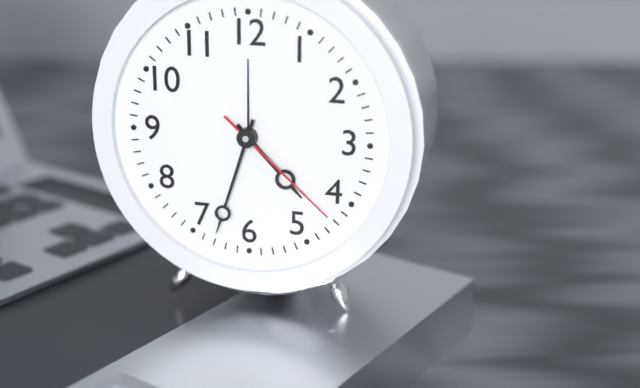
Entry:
**4:33:22**
